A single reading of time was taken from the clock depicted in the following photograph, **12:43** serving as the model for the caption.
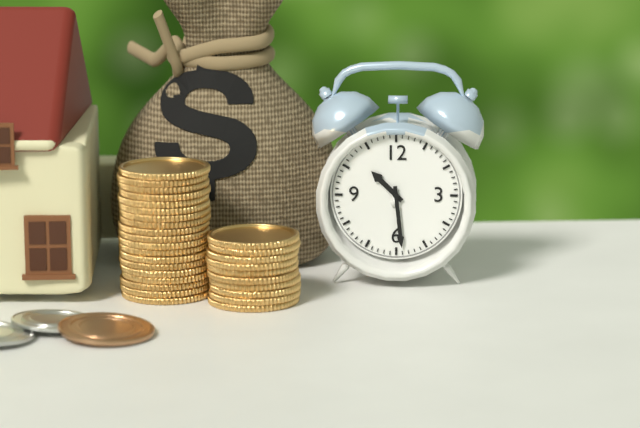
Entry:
**10:29**
